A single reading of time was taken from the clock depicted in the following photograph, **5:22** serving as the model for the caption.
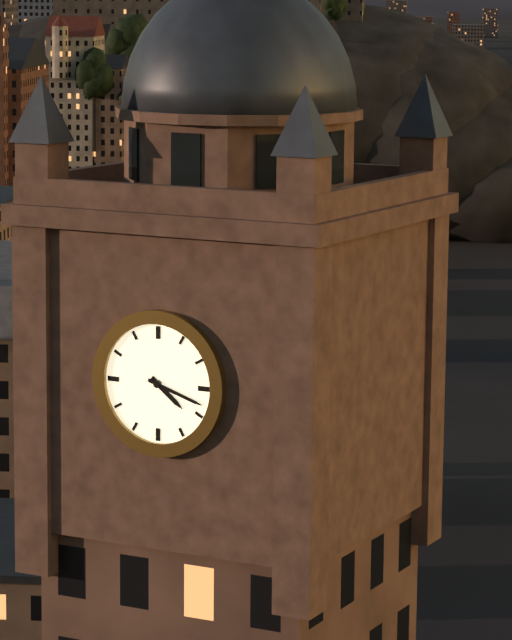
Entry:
**4:18**
